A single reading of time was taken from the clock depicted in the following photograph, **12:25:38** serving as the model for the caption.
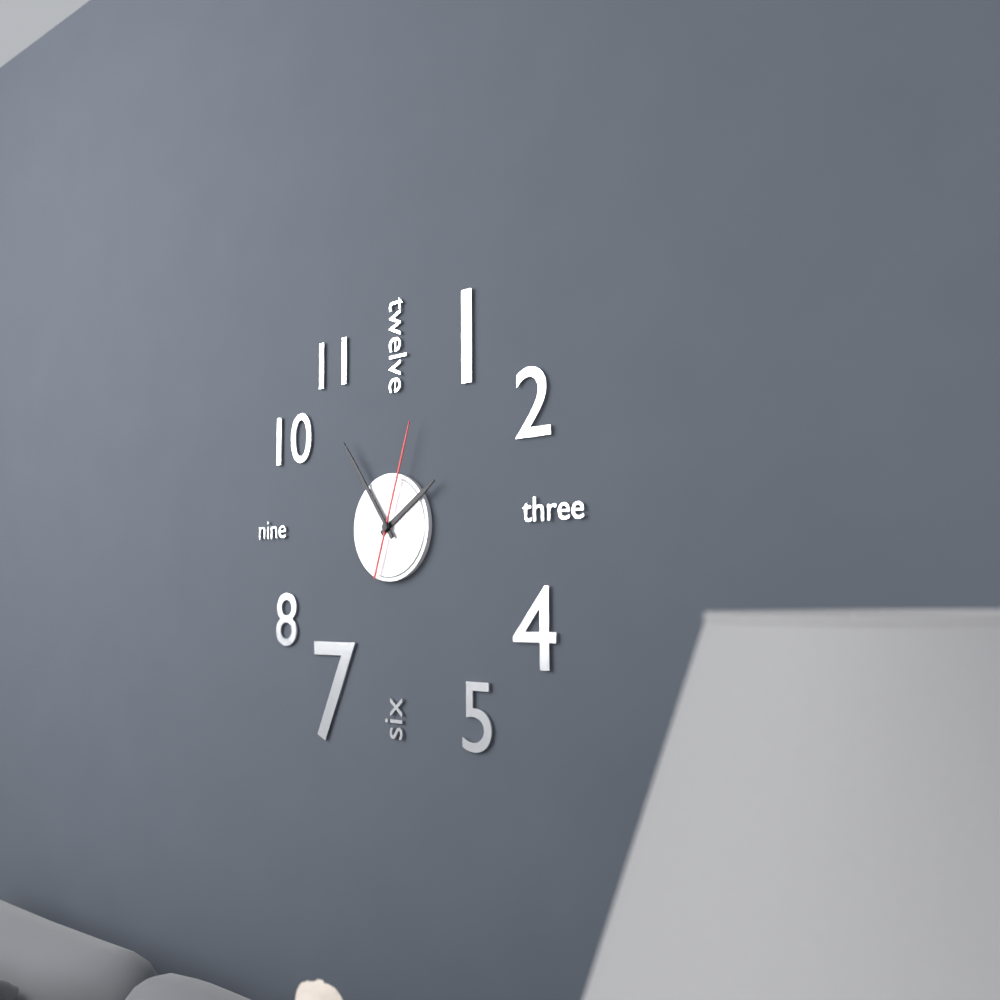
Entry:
**1:54:03**
